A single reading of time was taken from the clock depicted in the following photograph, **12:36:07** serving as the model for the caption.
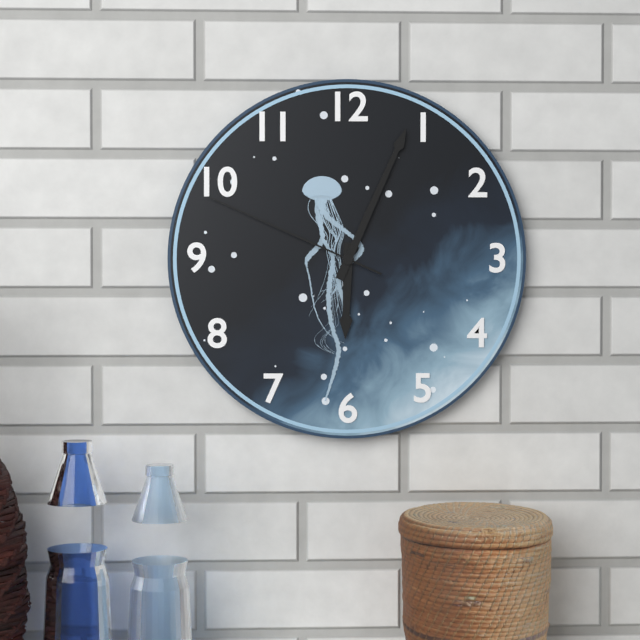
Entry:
**6:04:49**
